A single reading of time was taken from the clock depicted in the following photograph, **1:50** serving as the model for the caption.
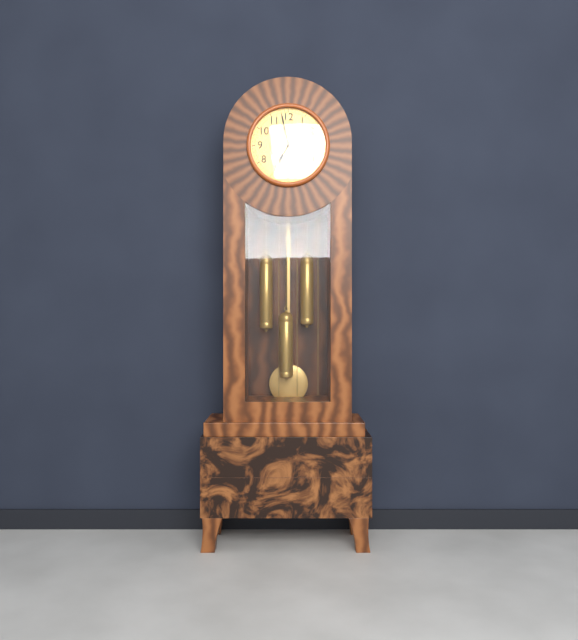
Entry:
**6:58**
